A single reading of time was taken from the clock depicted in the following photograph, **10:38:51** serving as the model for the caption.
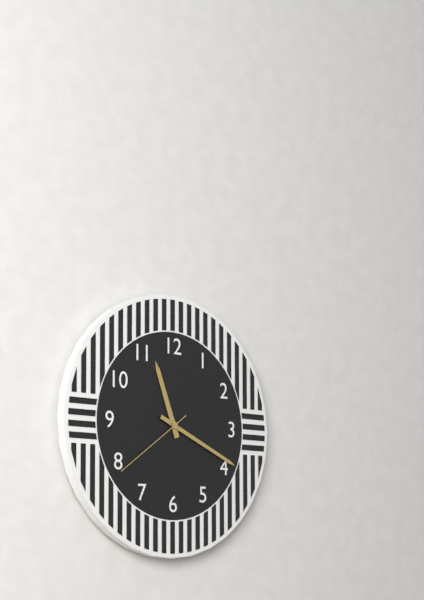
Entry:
**11:19:39**
